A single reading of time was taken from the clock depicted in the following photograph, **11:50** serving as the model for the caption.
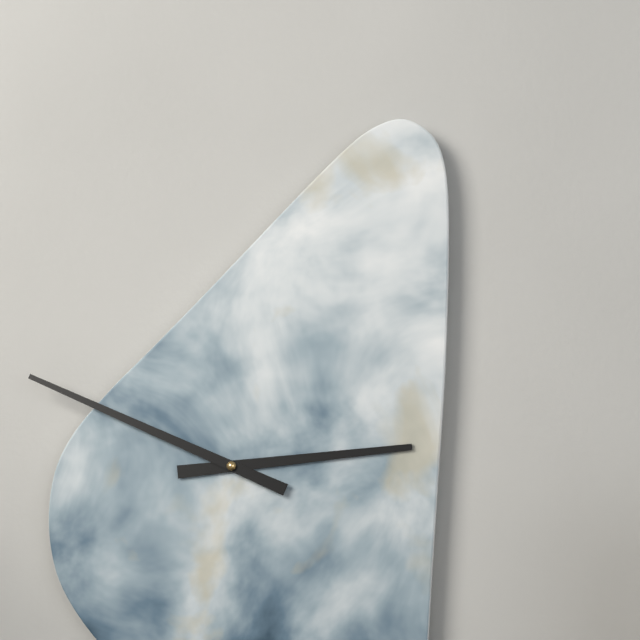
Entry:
**2:49**
